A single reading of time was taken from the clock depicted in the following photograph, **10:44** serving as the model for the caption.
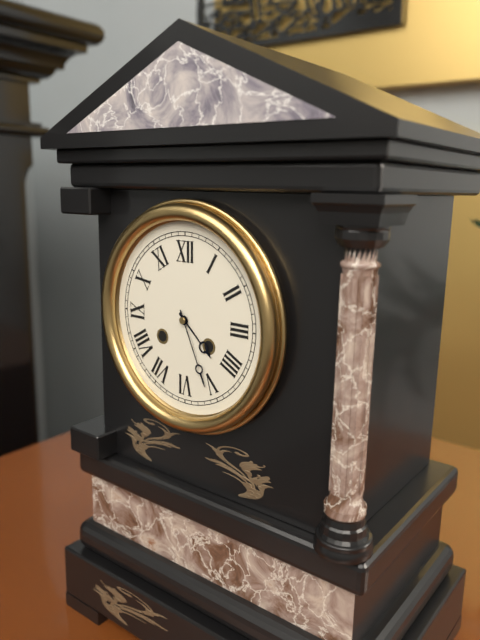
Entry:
**4:26**
